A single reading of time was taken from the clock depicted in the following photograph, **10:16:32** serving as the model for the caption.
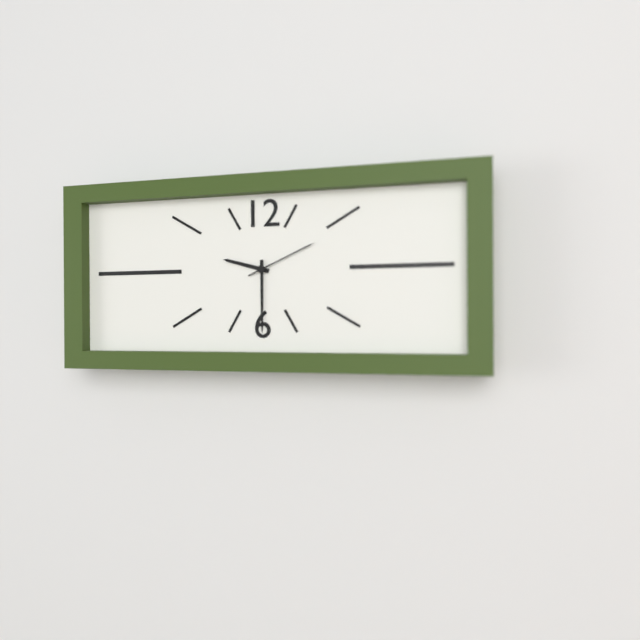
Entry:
**9:30:11**
